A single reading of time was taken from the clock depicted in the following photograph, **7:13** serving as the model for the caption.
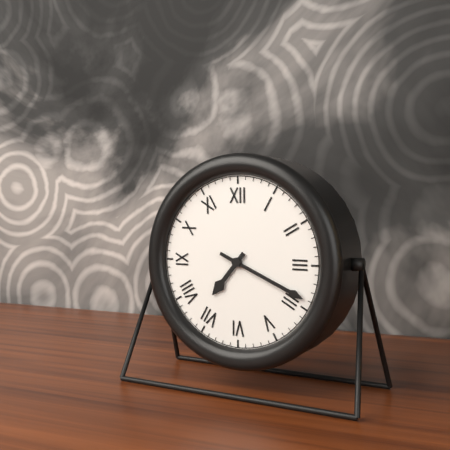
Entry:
**7:19**
